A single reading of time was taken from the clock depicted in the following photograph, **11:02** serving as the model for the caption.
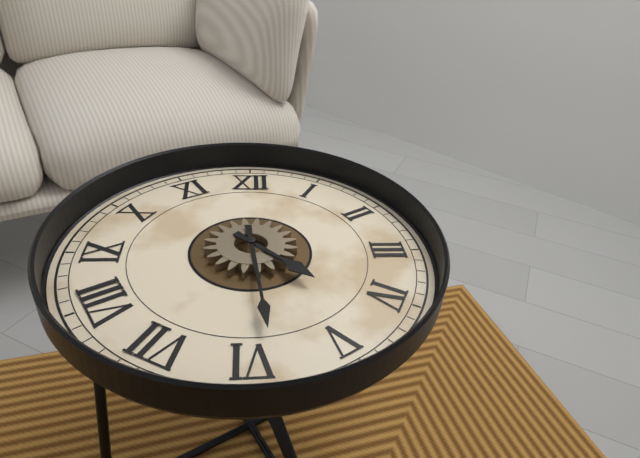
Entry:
**4:29**
